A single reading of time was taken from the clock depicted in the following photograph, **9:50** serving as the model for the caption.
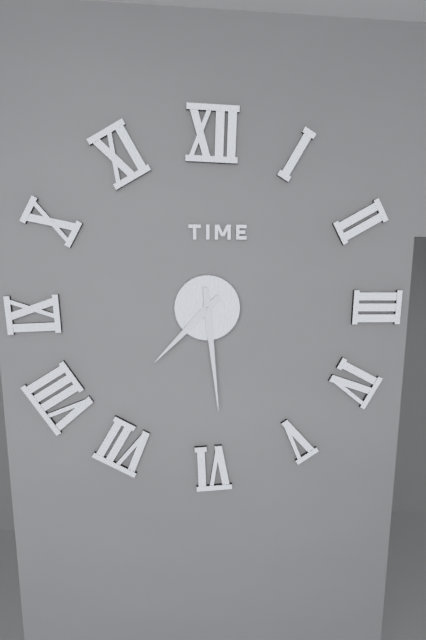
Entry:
**7:29**
